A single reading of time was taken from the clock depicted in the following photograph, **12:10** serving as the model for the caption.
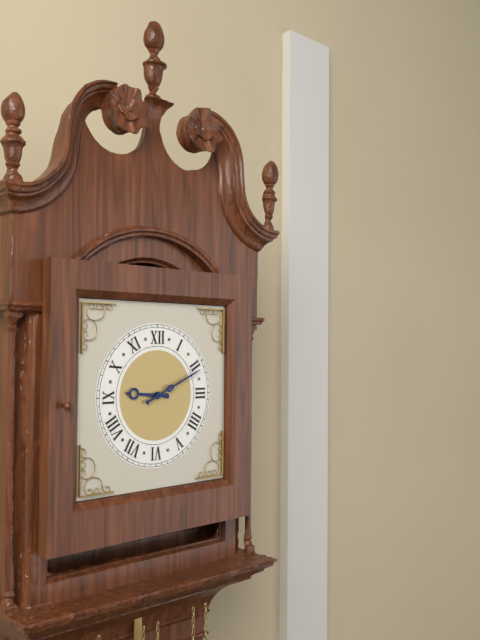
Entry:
**9:11**
